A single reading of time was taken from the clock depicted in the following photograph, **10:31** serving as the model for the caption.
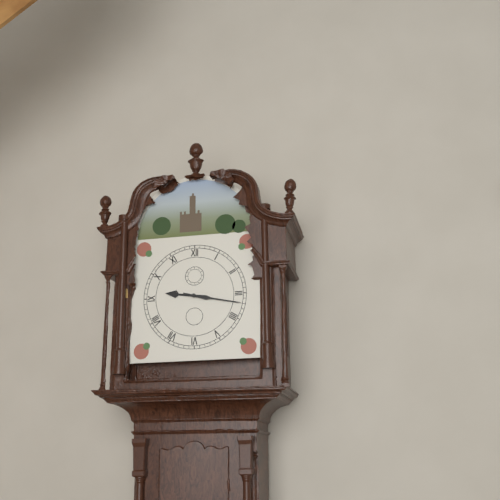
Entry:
**9:17**
